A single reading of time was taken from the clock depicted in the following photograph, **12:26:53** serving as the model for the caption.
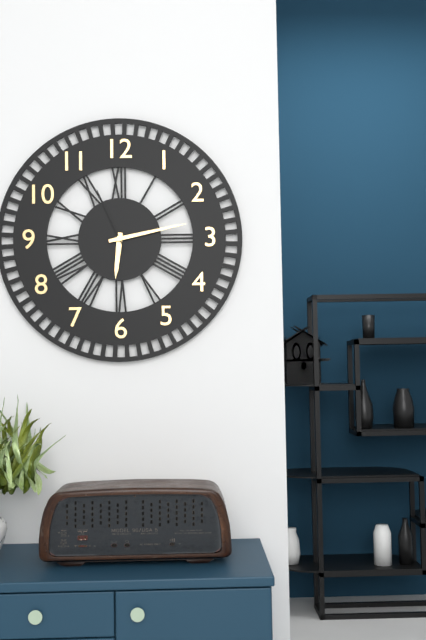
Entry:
**6:13:56**
